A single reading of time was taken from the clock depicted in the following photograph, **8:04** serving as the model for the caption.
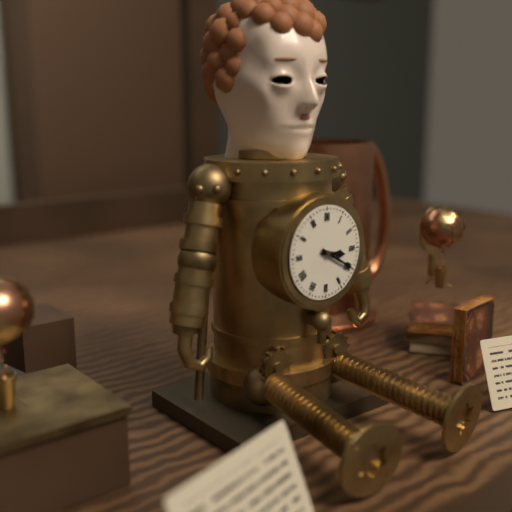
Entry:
**3:20**
